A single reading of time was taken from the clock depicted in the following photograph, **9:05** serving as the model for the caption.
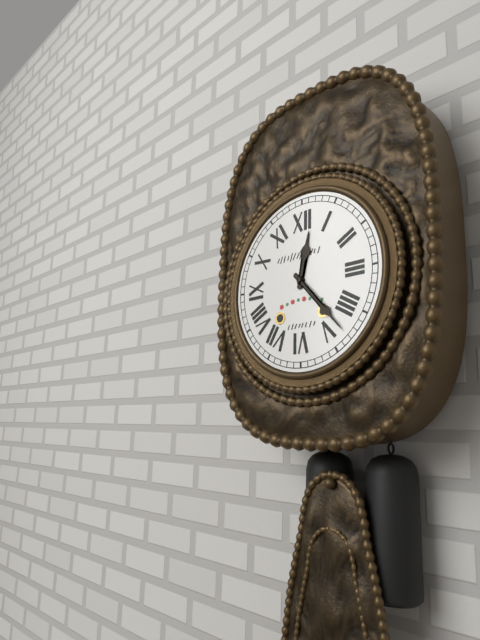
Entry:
**12:23**
